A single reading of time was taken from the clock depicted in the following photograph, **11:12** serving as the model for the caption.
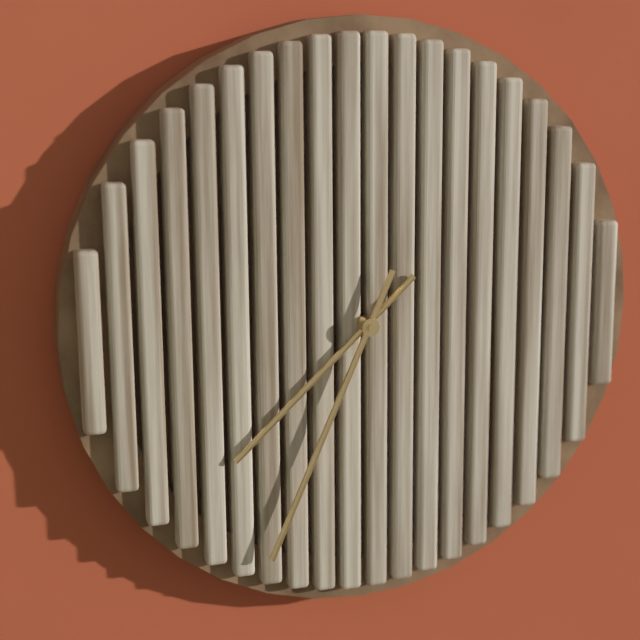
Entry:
**7:34**
